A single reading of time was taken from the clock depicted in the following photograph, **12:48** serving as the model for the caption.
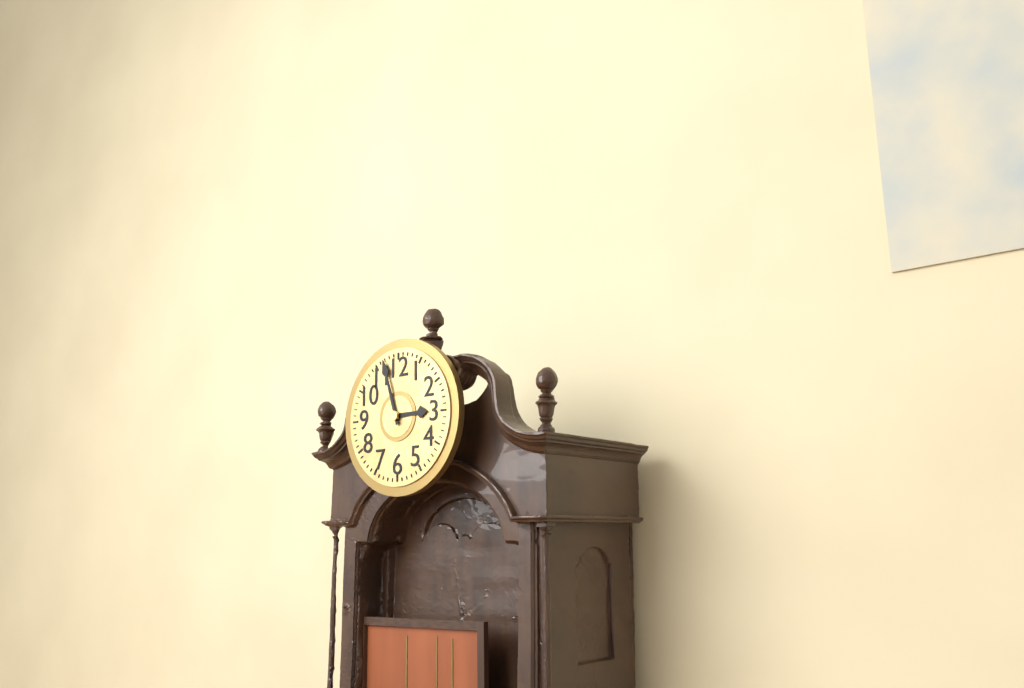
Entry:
**2:57**
